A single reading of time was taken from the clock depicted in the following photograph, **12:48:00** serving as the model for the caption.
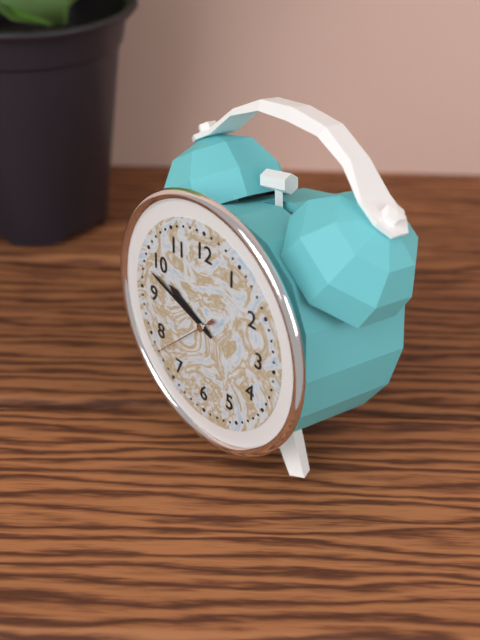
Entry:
**9:48:38**
